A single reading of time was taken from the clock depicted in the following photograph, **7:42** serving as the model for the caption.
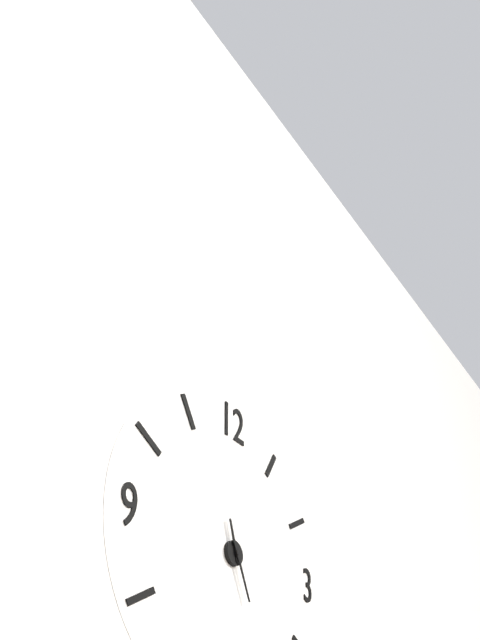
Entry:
**11:26**
